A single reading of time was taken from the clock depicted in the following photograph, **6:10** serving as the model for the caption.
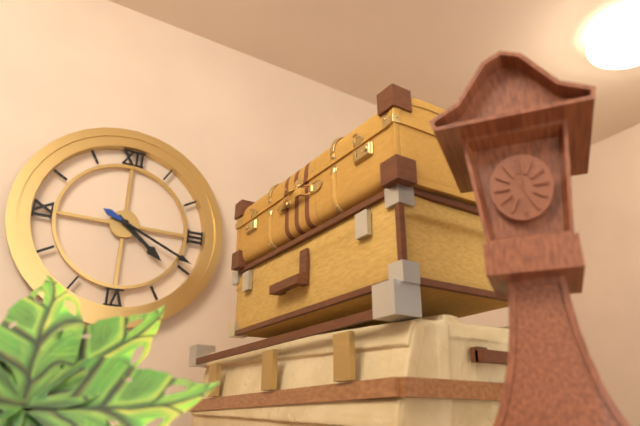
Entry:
**4:19**
